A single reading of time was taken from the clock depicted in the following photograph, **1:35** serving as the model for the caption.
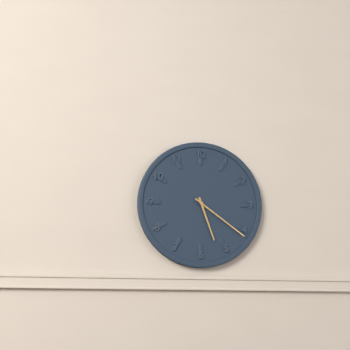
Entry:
**5:21**
